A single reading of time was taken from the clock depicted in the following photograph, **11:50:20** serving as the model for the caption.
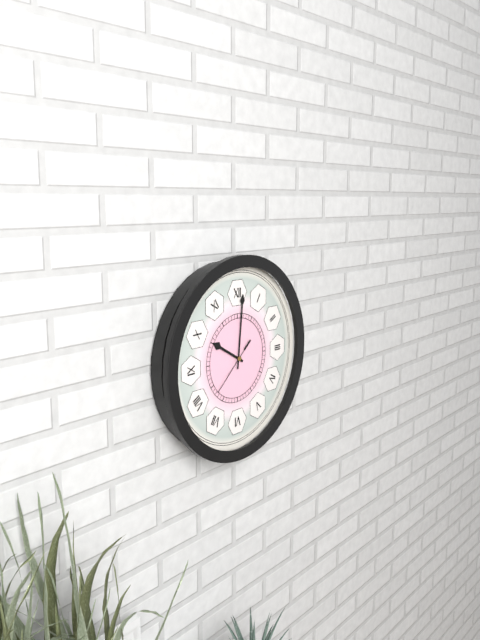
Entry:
**10:01:38**
